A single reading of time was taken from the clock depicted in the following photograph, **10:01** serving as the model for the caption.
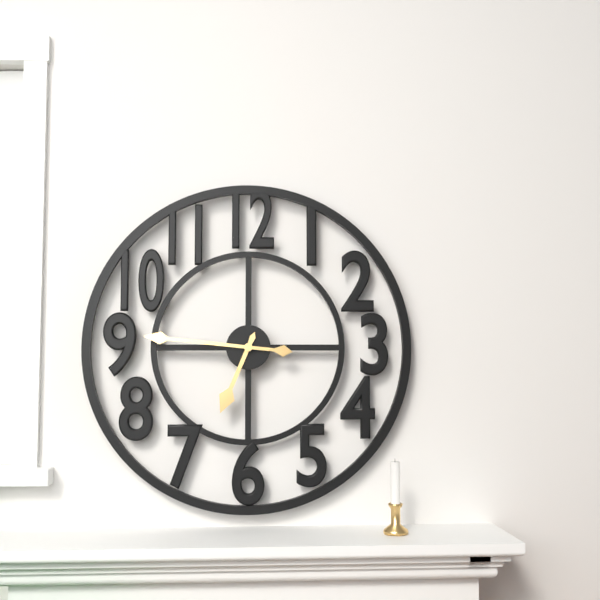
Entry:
**6:46**
